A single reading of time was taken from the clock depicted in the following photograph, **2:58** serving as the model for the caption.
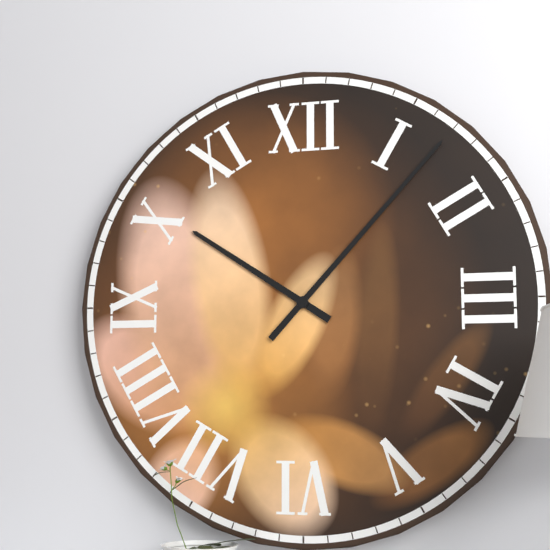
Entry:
**10:07**
